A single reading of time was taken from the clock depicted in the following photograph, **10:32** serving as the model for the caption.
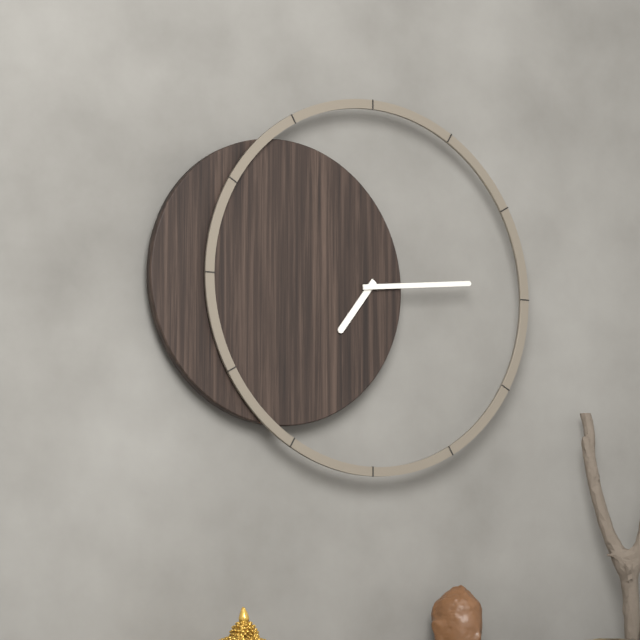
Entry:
**7:14**
